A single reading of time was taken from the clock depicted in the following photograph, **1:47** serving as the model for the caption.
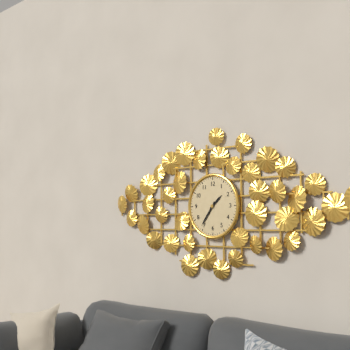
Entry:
**1:36**
